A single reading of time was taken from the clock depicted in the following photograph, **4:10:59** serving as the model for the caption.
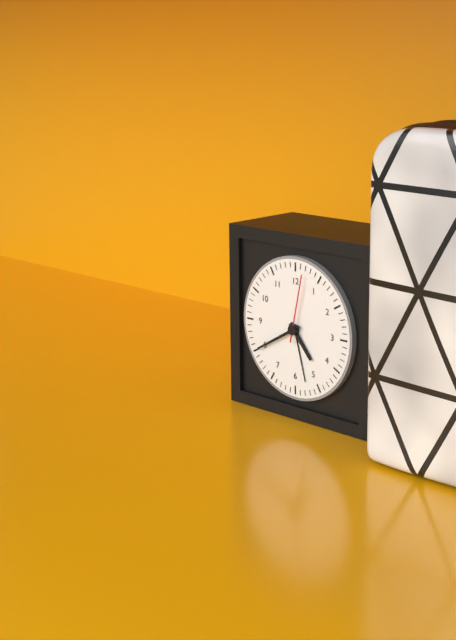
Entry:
**4:40:02**
